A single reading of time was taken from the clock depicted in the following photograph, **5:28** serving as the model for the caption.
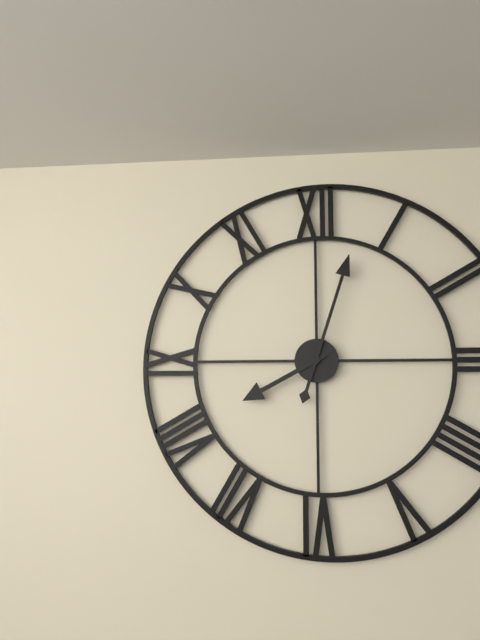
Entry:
**8:03**
